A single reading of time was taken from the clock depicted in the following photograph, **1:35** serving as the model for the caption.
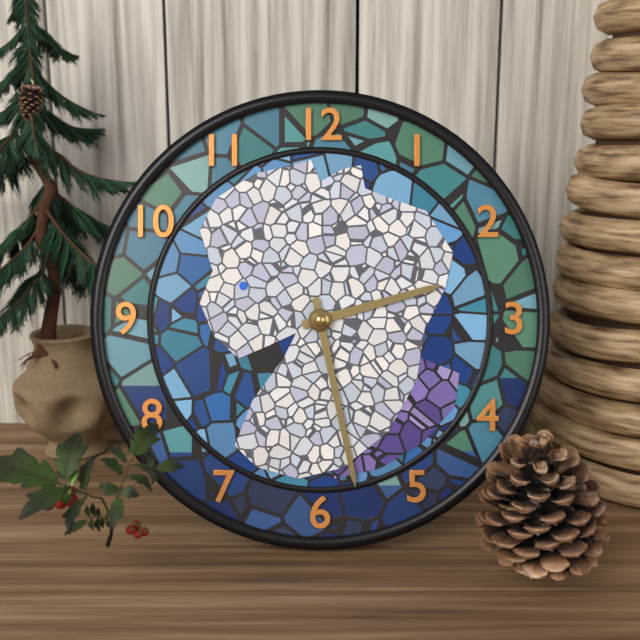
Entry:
**2:28**
